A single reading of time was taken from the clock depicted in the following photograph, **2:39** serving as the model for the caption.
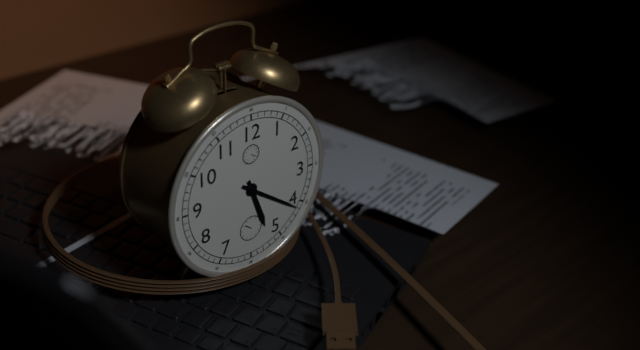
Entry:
**5:21**
